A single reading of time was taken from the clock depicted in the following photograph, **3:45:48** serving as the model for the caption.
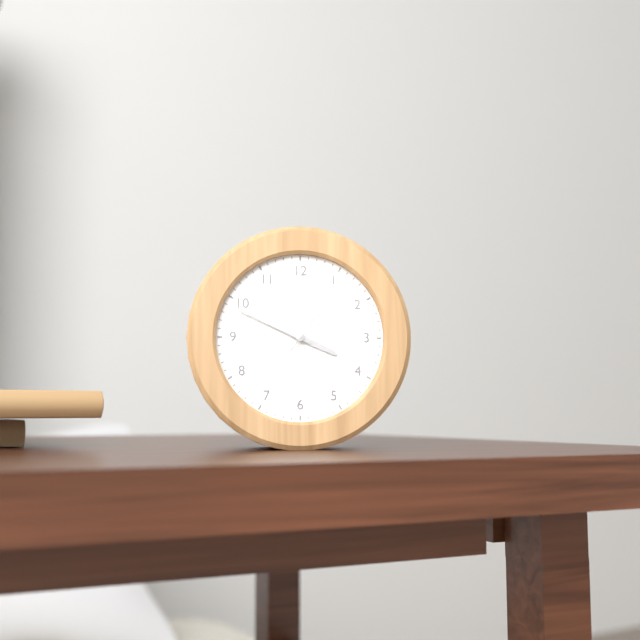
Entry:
**3:49:06**
